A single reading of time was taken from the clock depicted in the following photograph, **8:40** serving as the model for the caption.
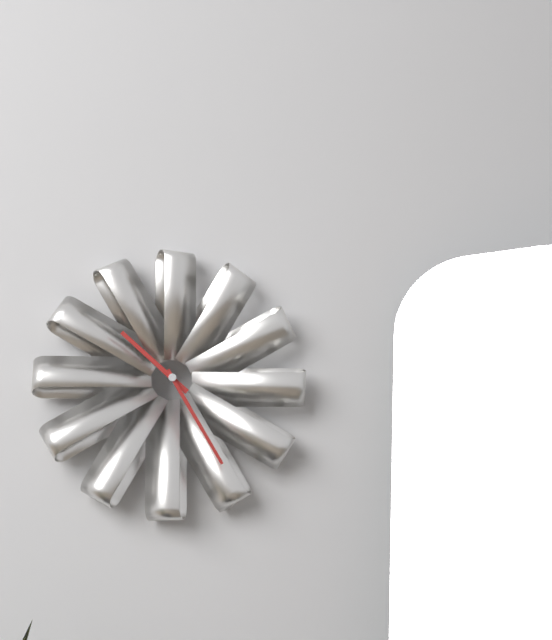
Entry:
**10:25**
